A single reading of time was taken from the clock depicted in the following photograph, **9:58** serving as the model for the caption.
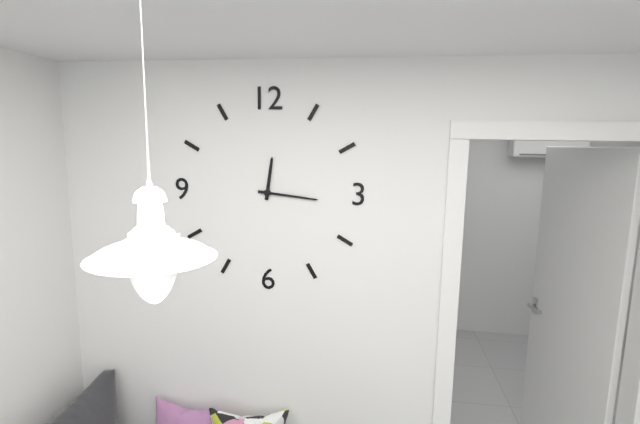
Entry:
**12:16**
